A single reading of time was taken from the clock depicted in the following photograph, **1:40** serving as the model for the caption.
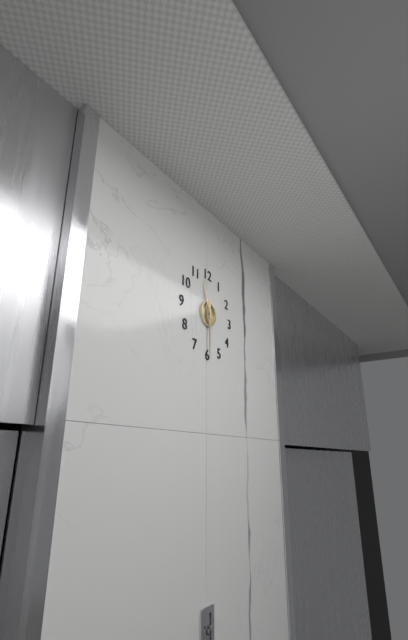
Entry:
**11:30**
